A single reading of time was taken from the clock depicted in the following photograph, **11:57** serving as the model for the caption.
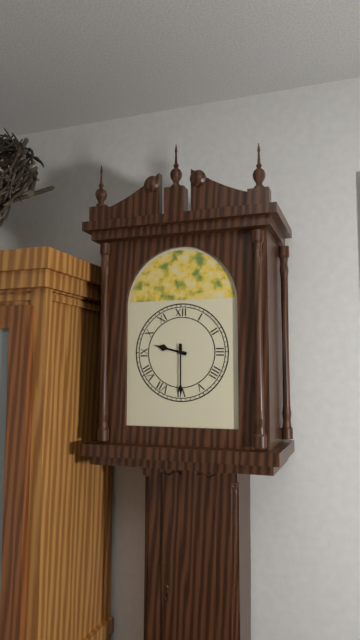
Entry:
**9:30**
